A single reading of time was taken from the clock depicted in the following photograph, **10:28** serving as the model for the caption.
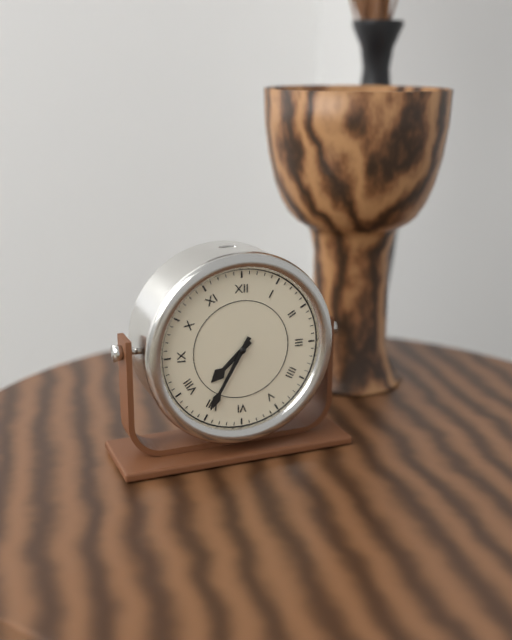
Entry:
**7:35**
